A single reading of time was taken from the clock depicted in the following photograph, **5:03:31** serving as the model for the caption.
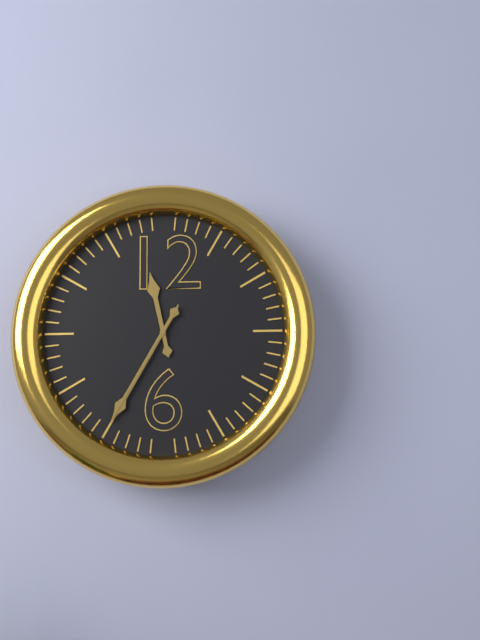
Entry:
**11:35:35**
